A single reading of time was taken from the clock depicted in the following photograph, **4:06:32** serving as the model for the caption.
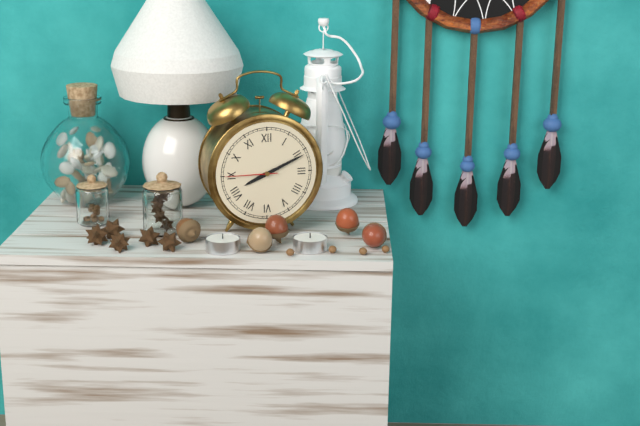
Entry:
**8:11:45**
